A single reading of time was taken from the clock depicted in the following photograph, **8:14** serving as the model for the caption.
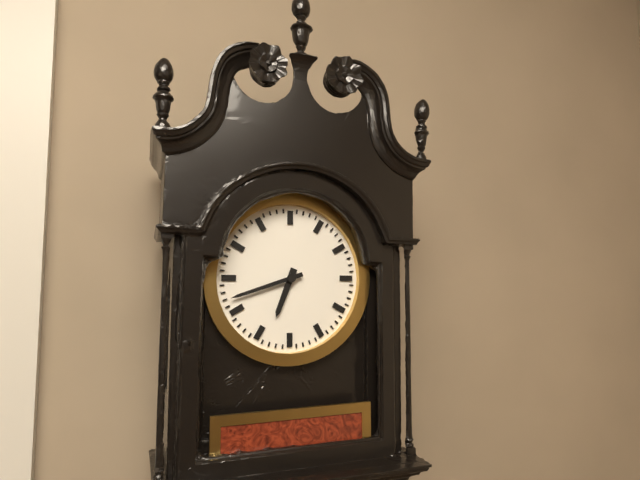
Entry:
**6:42**
